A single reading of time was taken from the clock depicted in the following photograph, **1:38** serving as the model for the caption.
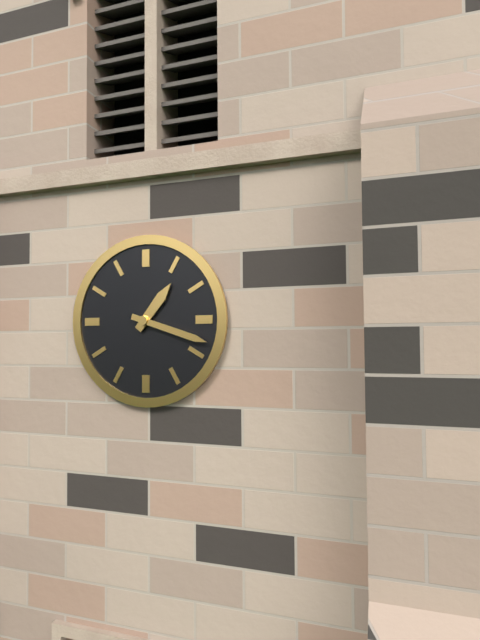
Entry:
**1:18**
